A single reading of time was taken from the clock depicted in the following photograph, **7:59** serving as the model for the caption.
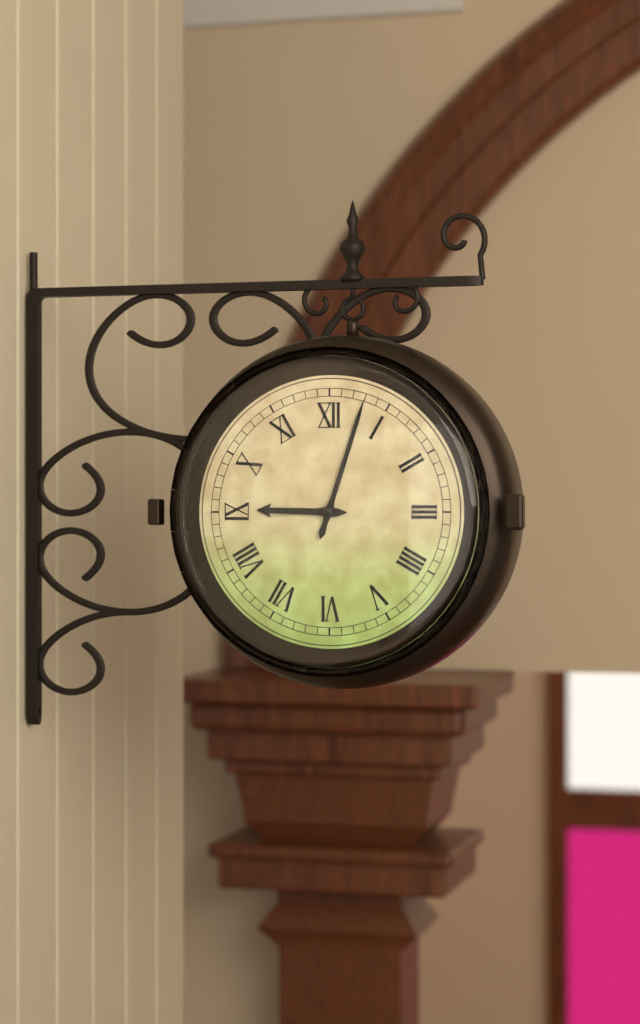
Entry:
**9:03**
